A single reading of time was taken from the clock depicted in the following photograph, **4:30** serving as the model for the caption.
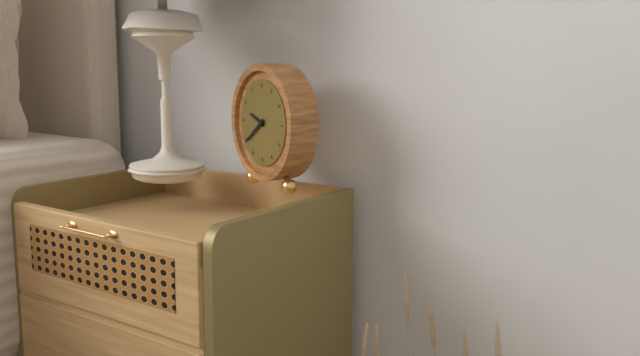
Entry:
**9:39**
